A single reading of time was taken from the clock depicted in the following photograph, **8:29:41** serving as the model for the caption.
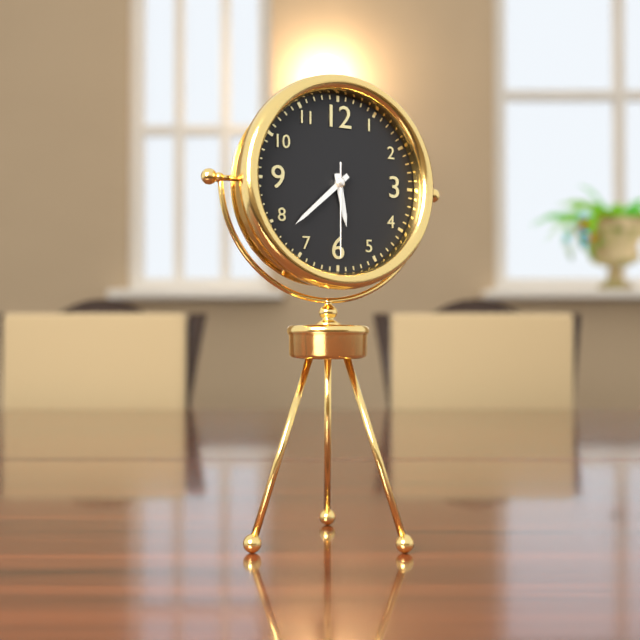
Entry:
**5:38:30**
